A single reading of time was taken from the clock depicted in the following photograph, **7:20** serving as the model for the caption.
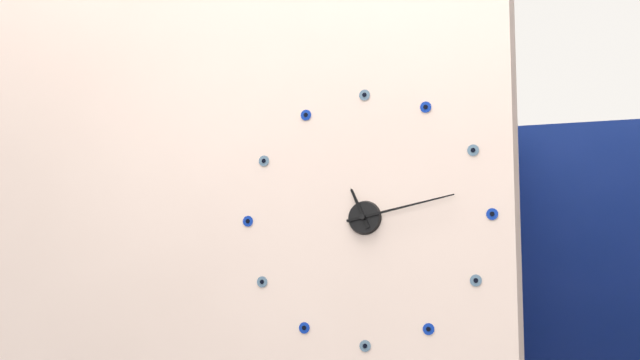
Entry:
**11:13**
